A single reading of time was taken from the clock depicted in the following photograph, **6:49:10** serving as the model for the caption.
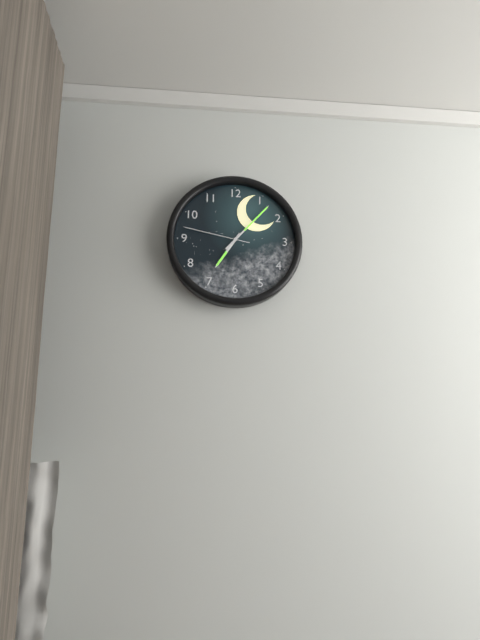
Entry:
**7:07:47**
